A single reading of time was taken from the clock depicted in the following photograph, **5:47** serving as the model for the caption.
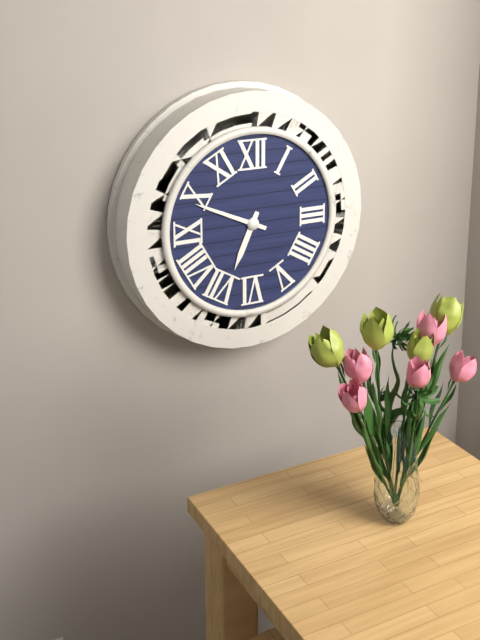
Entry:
**6:49**
